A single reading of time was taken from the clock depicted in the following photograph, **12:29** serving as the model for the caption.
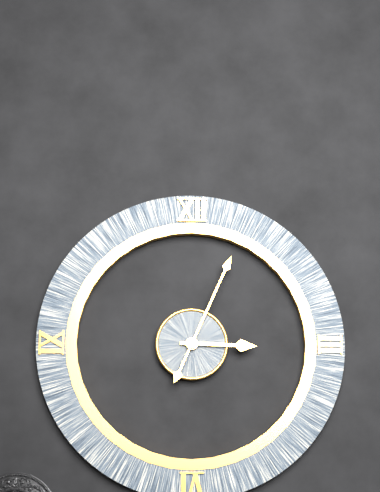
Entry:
**3:04**
